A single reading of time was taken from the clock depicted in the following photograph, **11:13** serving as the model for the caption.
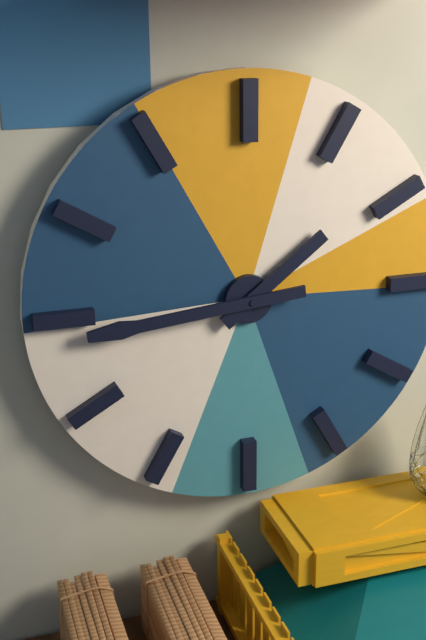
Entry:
**1:44**
